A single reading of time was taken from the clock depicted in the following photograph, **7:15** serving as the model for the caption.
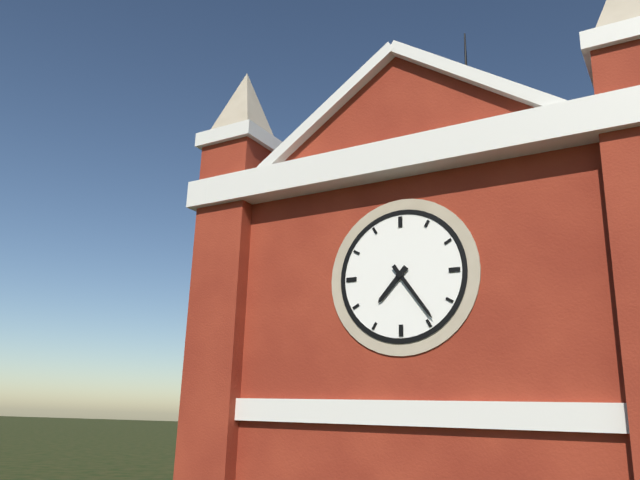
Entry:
**7:24**
